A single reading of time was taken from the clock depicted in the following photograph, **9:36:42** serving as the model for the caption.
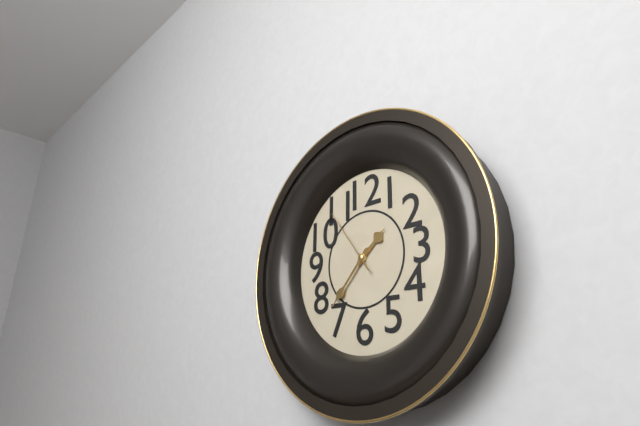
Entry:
**1:37:54**
